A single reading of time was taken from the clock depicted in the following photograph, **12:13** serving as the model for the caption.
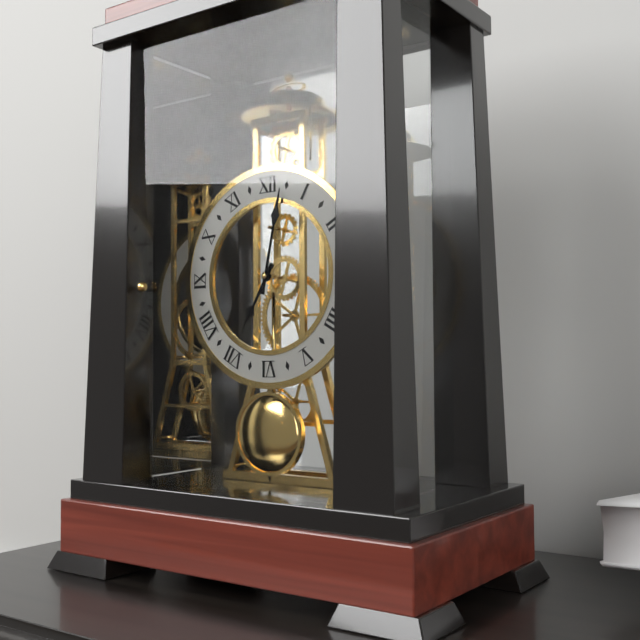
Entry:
**7:02**
